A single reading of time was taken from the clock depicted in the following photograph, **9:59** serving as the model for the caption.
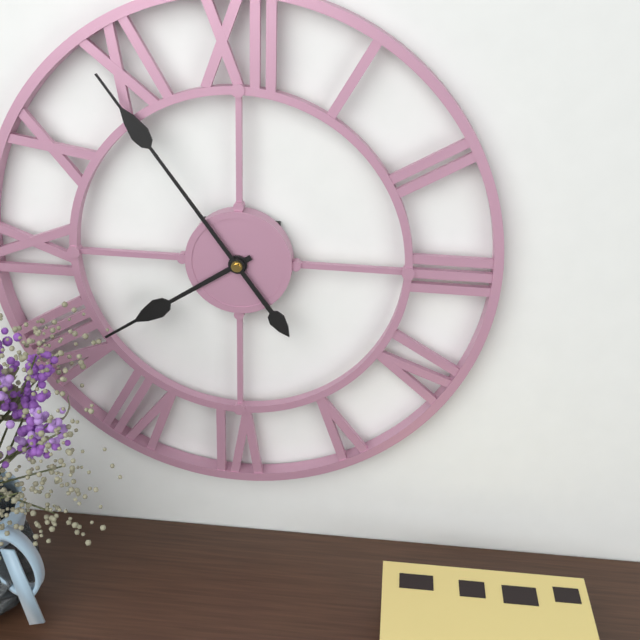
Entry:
**7:54**
